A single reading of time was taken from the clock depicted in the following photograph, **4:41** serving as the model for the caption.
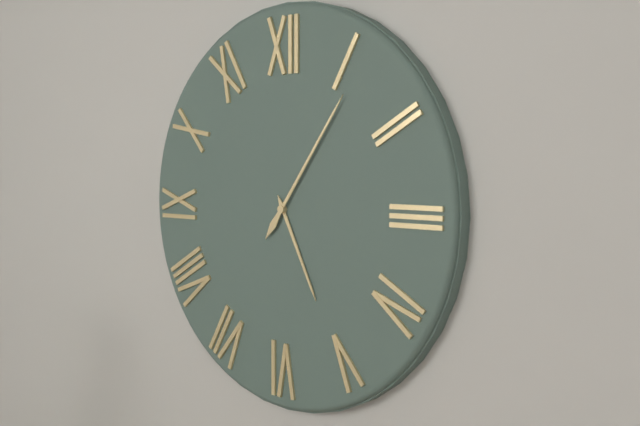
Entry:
**5:06**
